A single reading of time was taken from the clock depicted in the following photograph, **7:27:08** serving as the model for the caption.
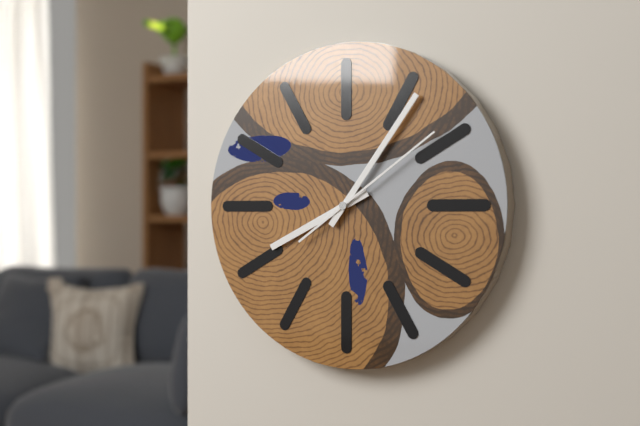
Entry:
**8:06:09**
